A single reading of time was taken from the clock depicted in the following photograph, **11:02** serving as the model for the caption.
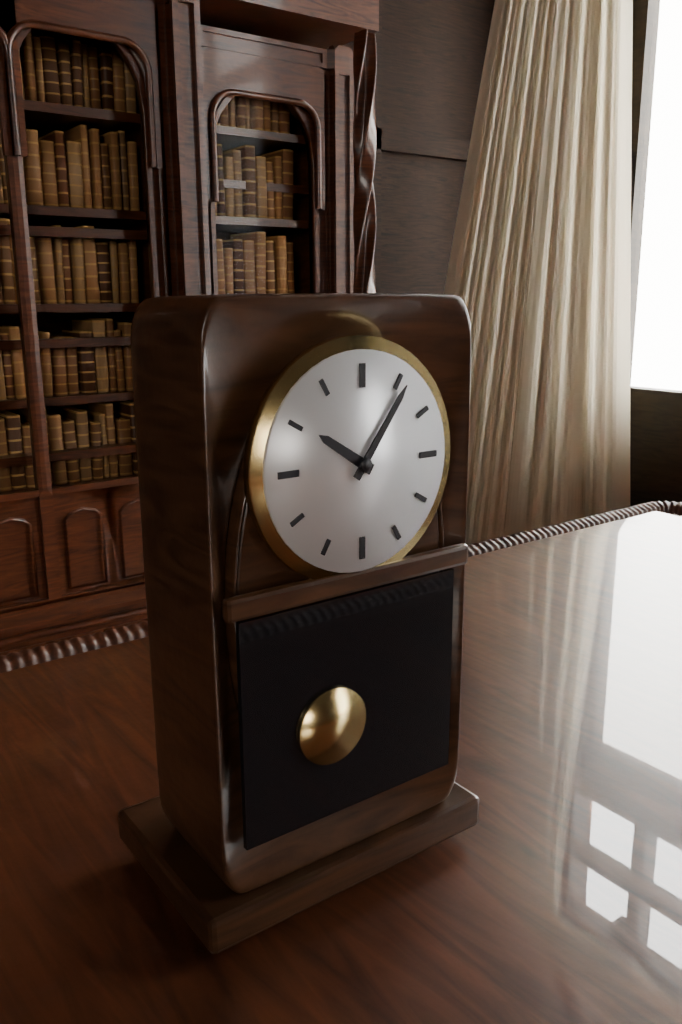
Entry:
**10:06**
